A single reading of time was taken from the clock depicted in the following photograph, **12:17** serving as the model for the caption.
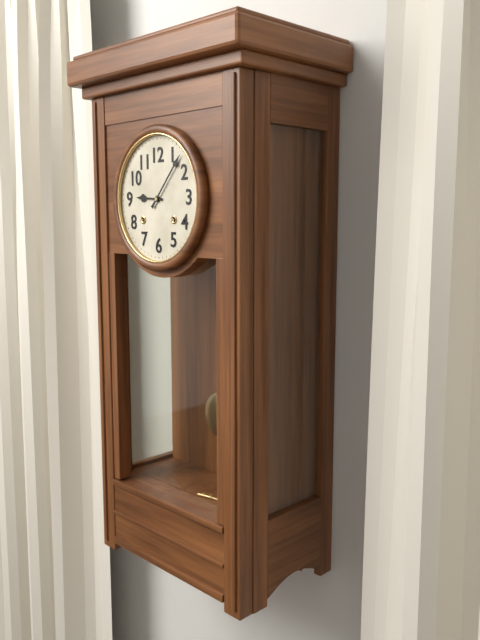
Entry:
**9:07**
